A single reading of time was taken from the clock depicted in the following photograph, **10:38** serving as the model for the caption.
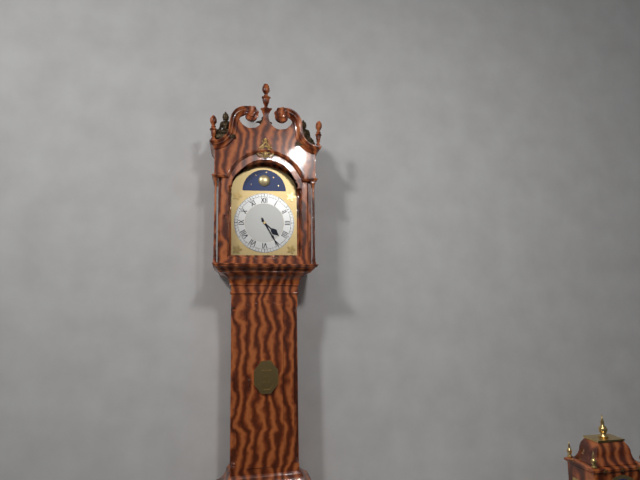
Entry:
**4:25**
